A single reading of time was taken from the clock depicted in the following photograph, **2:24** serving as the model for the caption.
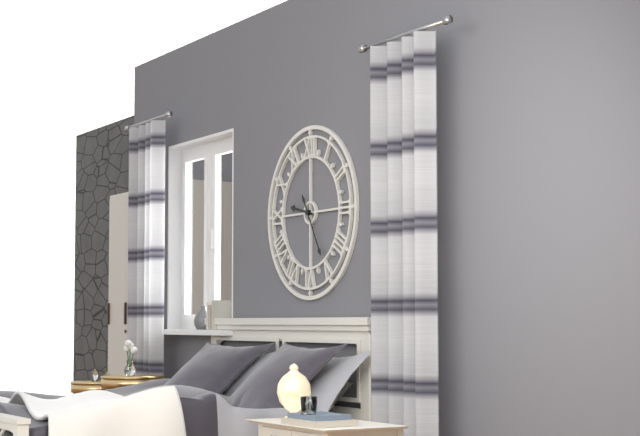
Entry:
**9:25**
